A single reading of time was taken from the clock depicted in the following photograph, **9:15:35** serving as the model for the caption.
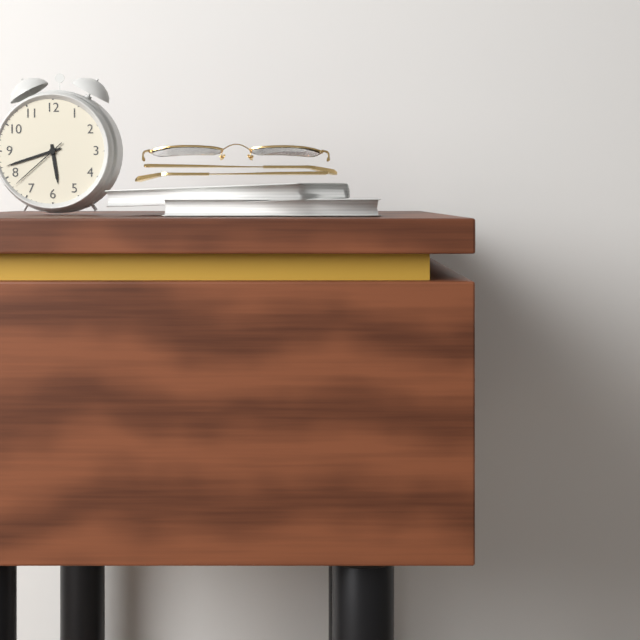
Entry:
**5:42:38**
